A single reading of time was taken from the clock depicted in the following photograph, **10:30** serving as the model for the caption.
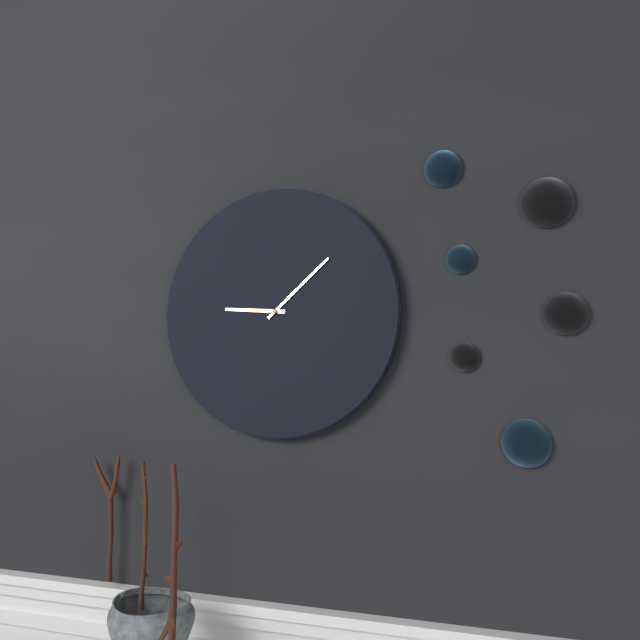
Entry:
**9:08**
